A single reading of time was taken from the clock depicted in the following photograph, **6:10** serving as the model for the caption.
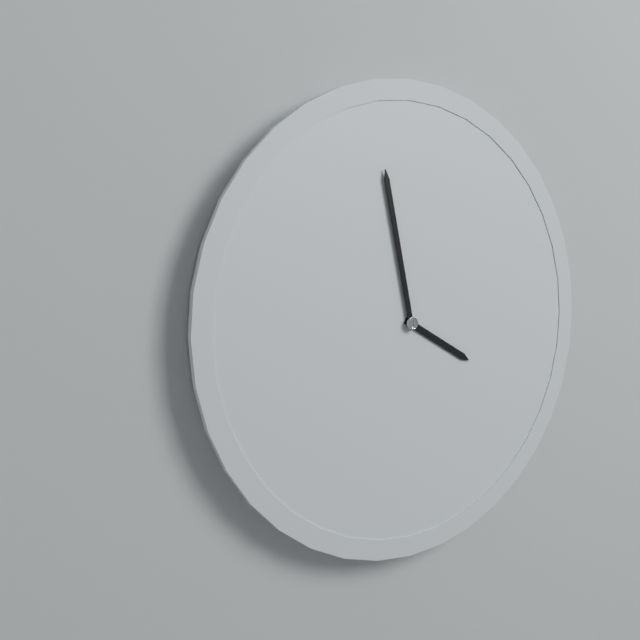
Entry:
**3:58**
